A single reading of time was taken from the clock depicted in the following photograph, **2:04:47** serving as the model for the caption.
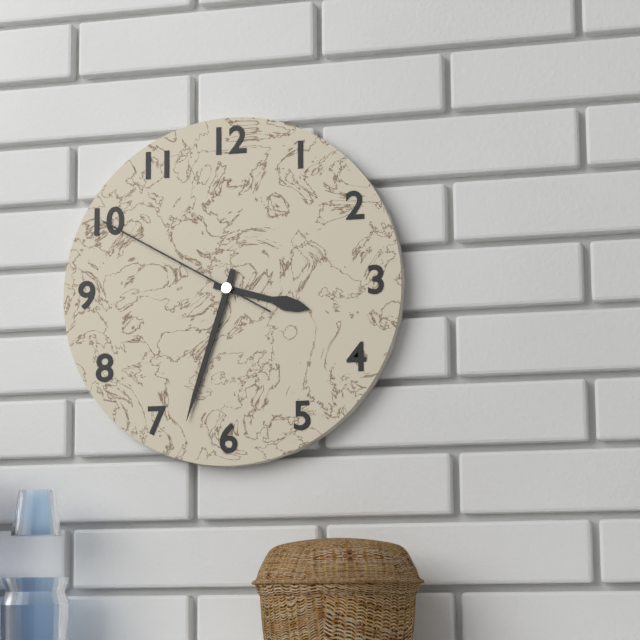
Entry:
**3:33:50**
